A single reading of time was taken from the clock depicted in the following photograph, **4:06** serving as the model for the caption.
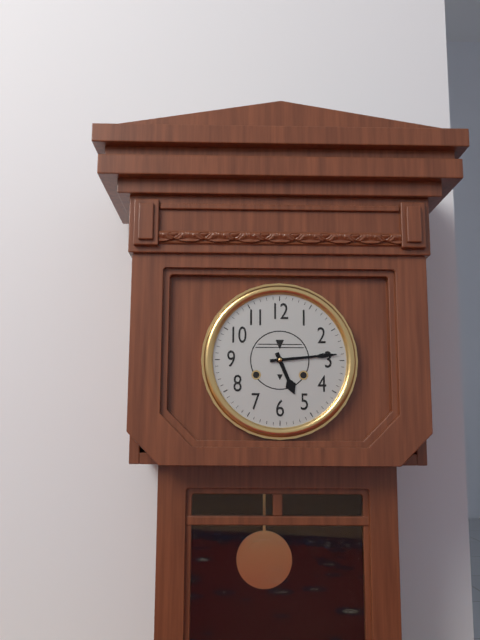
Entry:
**5:14**
